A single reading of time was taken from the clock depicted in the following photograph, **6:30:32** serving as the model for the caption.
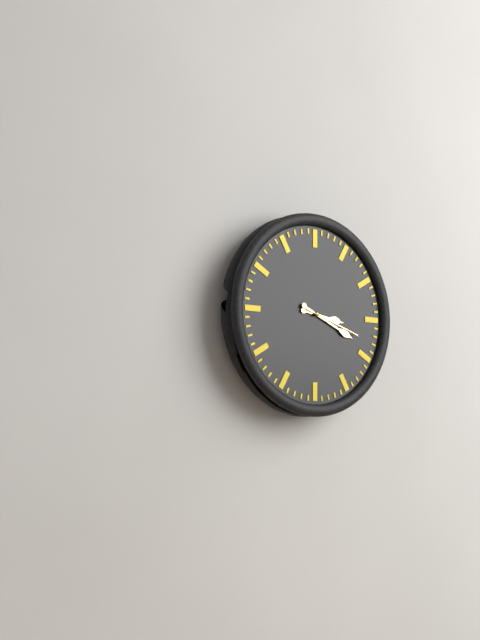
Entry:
**3:19:18**
